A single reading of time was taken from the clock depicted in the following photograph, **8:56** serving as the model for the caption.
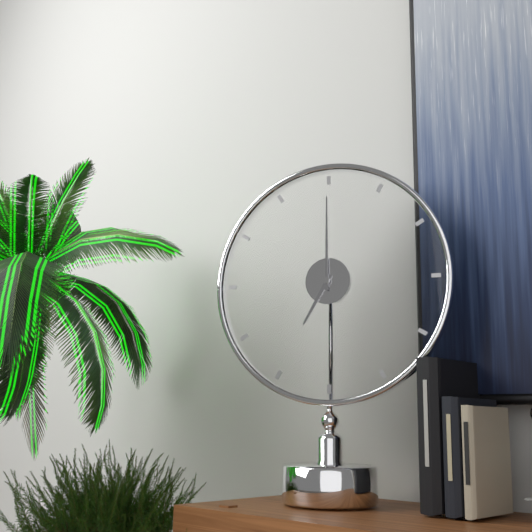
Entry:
**7:00**
